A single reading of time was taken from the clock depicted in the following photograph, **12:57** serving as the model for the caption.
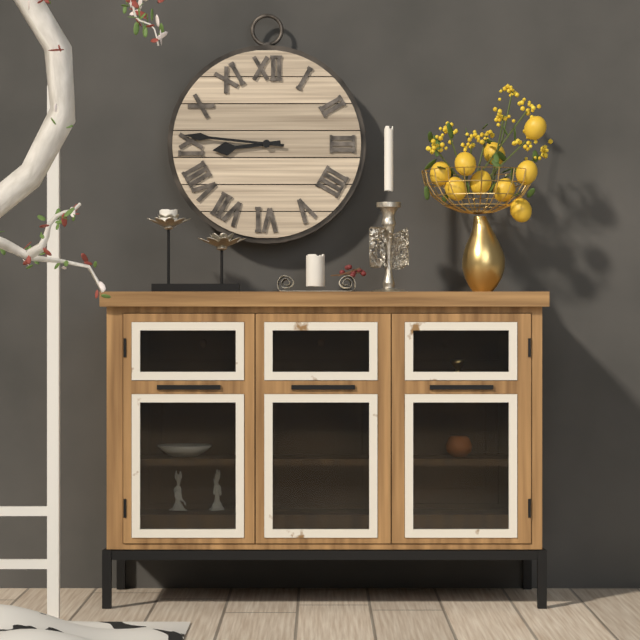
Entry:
**8:46**
